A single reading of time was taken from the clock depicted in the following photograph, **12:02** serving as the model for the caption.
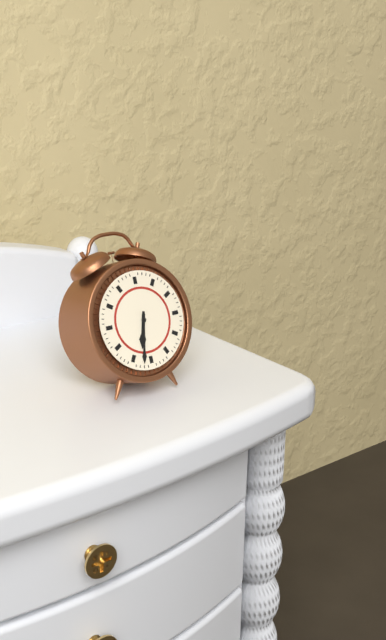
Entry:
**6:32**
